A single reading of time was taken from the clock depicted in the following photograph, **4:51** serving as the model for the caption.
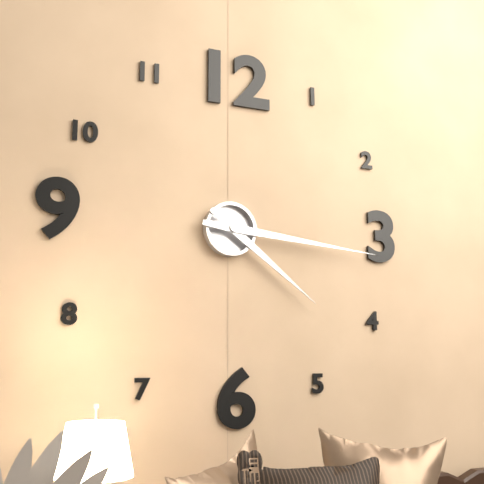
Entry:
**4:16**
